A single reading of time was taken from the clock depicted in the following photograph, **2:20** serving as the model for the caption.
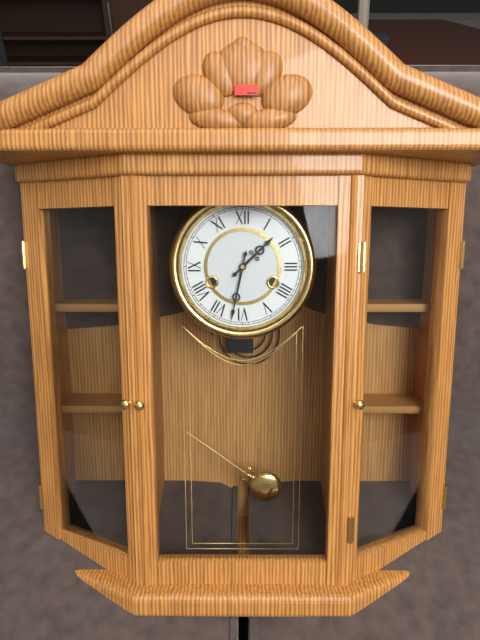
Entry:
**1:32**
